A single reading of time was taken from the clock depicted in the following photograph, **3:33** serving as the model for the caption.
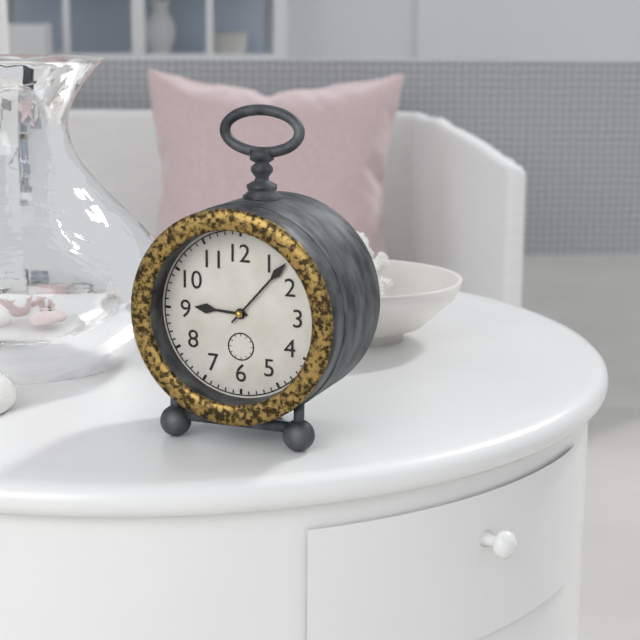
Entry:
**9:07**
